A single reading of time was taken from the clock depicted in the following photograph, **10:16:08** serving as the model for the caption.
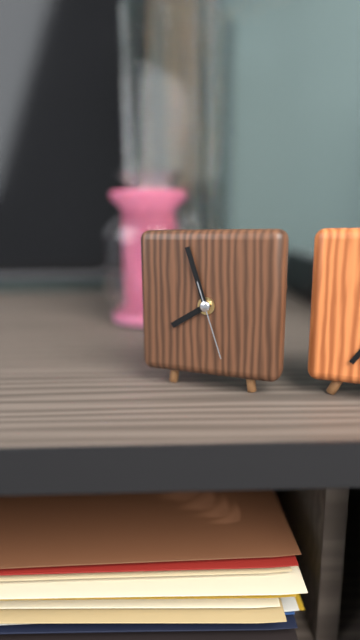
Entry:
**7:57:27**
